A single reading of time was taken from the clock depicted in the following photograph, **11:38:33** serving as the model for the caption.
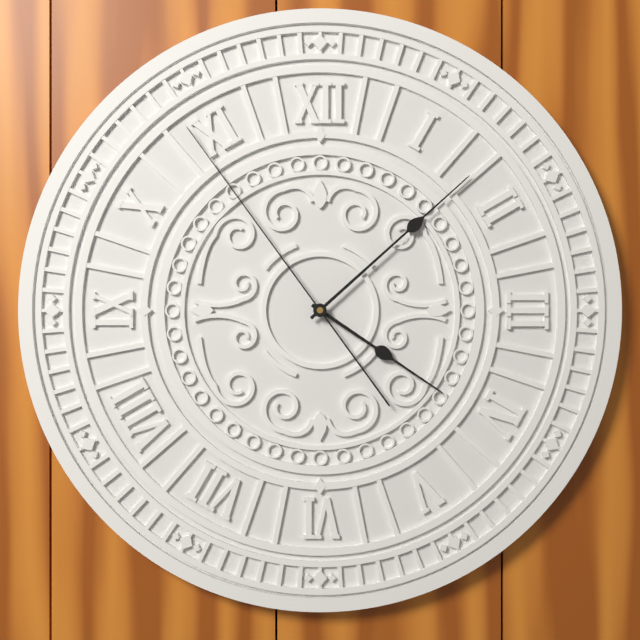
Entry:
**4:08:54**
